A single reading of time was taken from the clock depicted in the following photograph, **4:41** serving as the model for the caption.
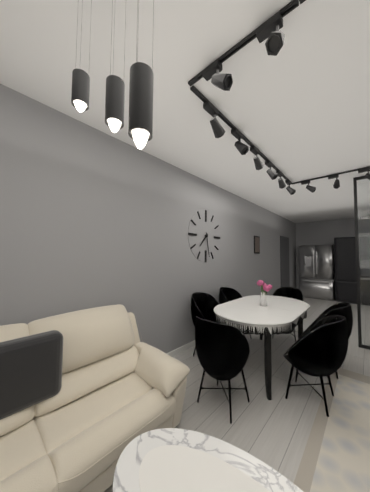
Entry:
**7:28**
